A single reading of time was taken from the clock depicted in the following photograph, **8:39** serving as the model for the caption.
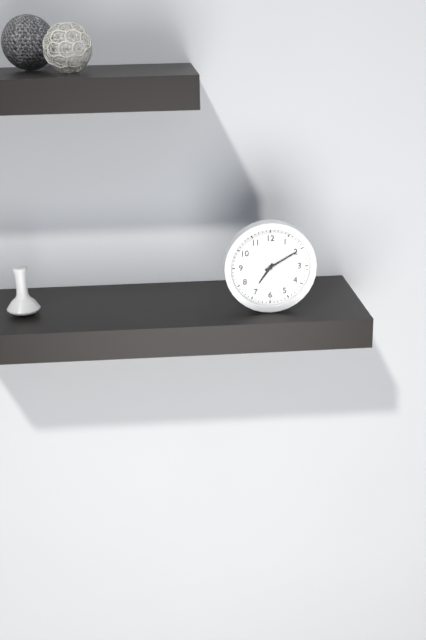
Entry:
**7:10**
